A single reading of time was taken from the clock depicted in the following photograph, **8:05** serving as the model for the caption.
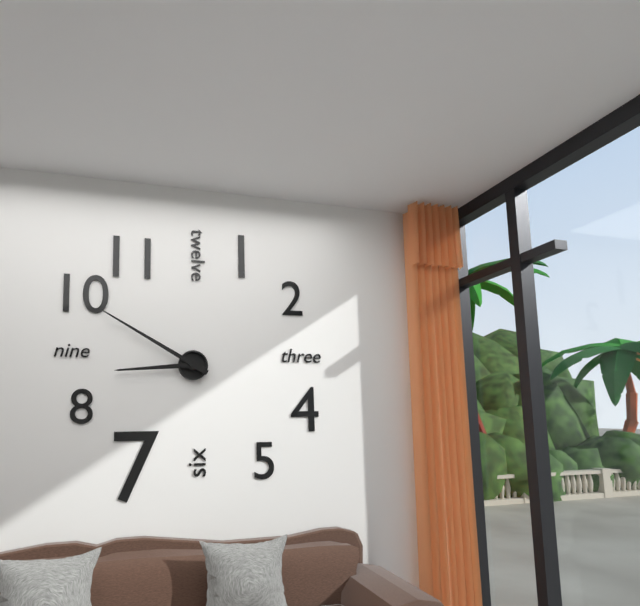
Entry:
**8:50**
